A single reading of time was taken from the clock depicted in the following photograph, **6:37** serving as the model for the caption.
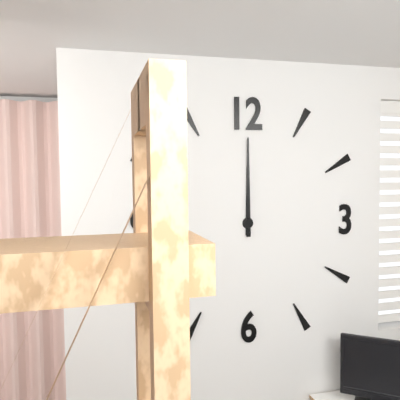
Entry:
**12:00**
